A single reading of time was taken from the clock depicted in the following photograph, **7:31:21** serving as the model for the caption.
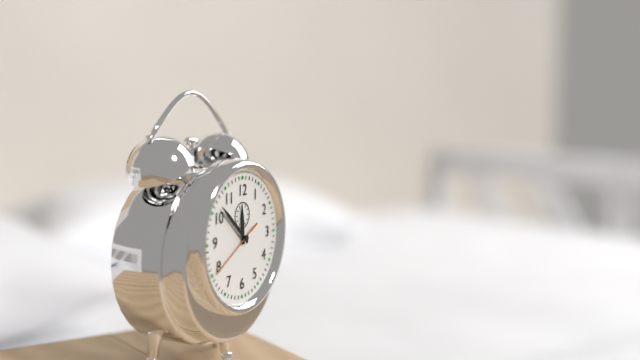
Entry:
**11:52:40**
